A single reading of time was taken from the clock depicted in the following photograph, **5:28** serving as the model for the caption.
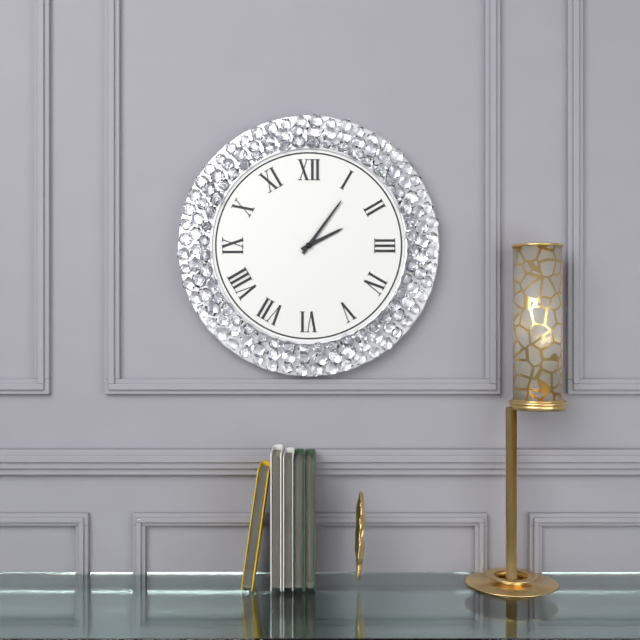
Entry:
**2:06**
